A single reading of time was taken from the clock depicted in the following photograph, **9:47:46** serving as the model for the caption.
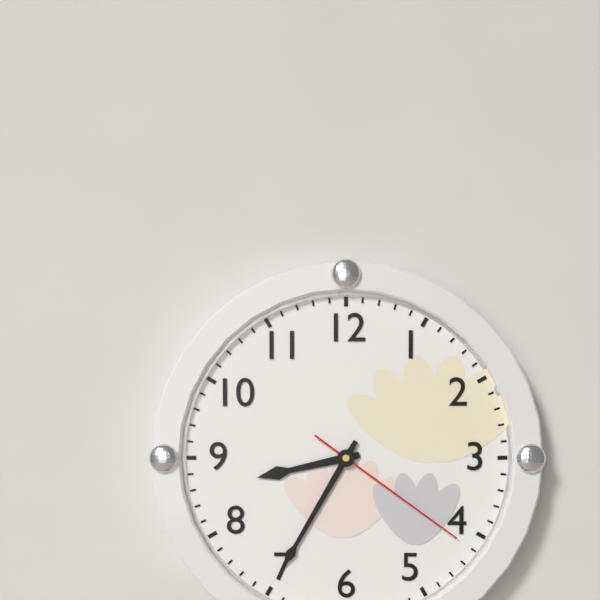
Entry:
**8:35:21**
